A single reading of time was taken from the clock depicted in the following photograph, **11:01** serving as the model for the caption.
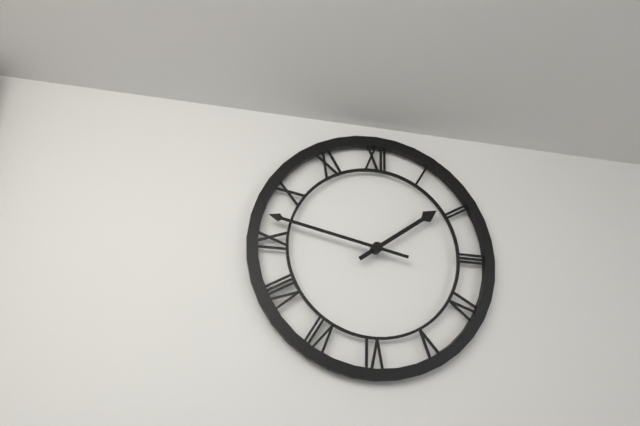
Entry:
**1:47**
